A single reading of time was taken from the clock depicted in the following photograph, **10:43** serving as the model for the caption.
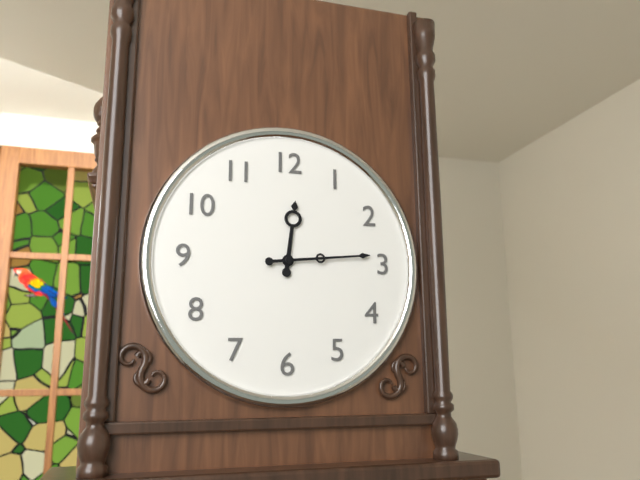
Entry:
**12:14**
